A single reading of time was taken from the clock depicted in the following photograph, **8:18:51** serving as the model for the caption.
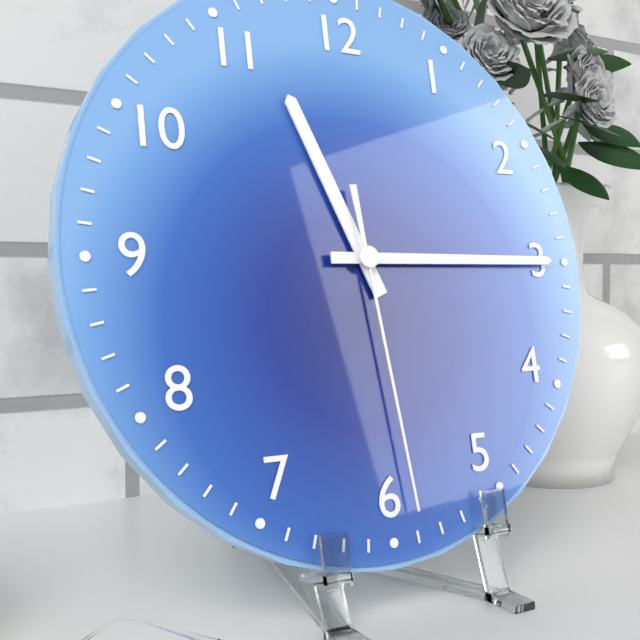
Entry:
**11:15:29**
